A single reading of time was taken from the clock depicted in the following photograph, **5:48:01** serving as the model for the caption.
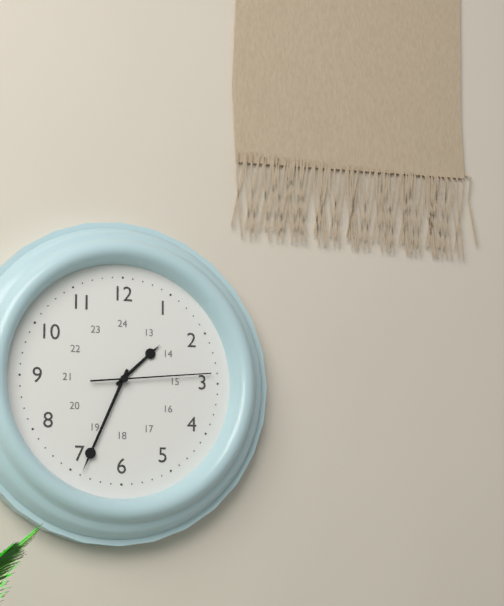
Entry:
**1:34:14**
